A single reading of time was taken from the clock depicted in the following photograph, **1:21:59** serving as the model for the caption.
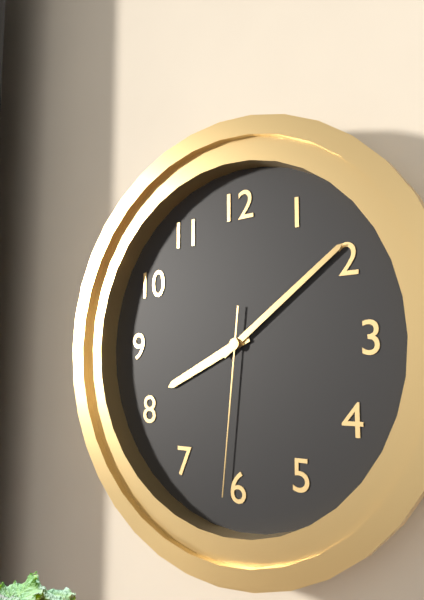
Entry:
**8:09:31**
